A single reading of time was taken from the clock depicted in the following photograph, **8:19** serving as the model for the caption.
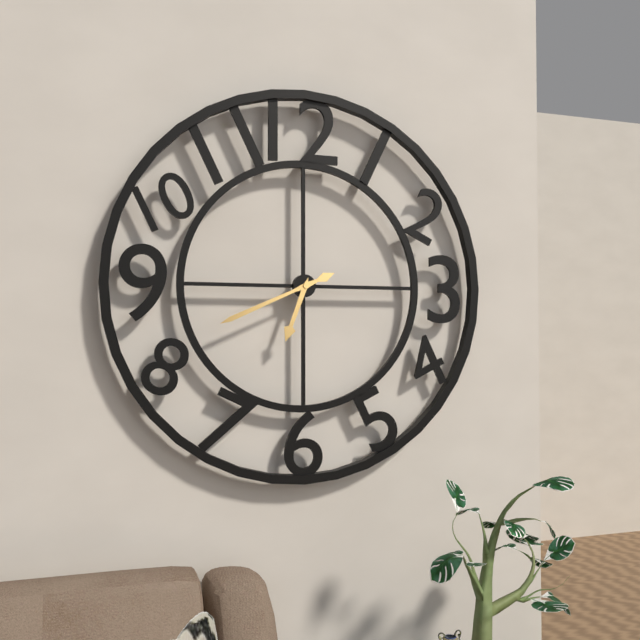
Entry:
**6:41**
